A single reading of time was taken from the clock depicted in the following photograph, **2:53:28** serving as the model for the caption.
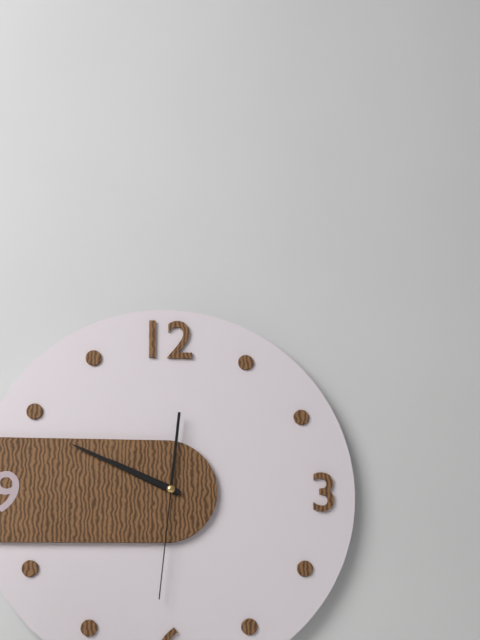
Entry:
**9:49:31**
